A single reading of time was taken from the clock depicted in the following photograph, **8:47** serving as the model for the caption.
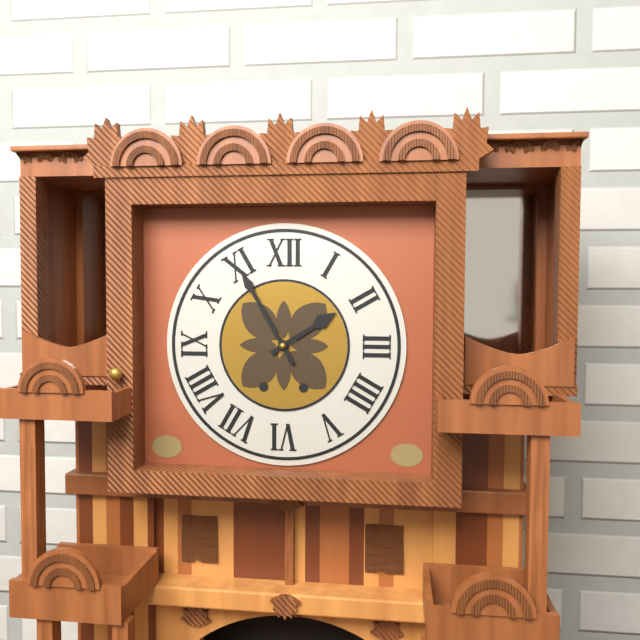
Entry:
**1:55**
